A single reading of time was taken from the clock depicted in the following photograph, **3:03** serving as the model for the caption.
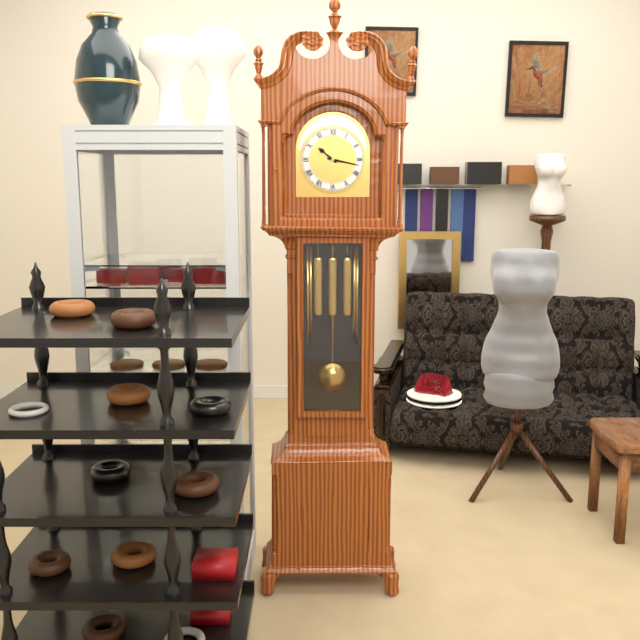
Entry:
**10:17**
